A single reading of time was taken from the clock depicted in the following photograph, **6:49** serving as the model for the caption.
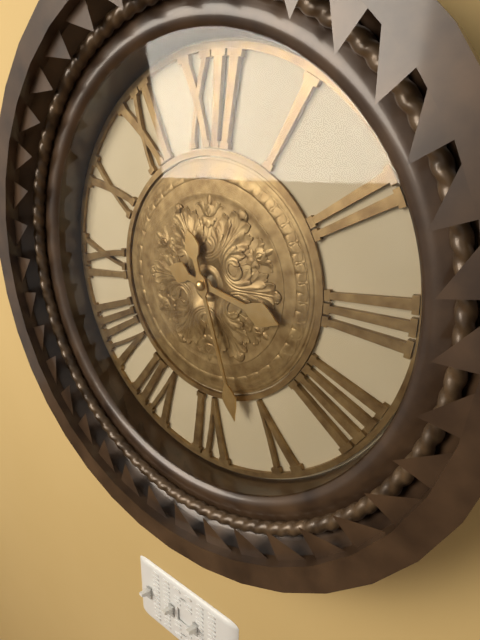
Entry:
**3:27**
